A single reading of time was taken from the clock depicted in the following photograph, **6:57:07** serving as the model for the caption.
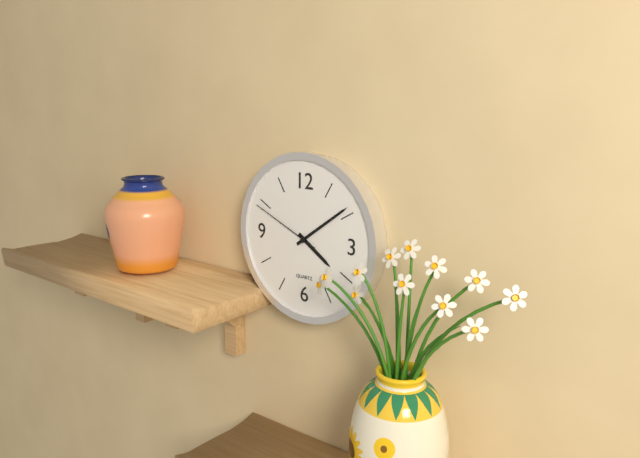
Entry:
**4:09:49**
